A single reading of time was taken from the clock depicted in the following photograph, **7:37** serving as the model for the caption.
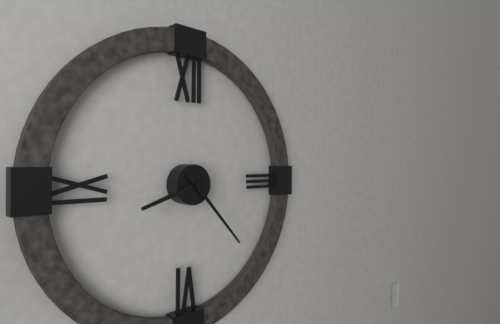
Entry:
**8:23**
